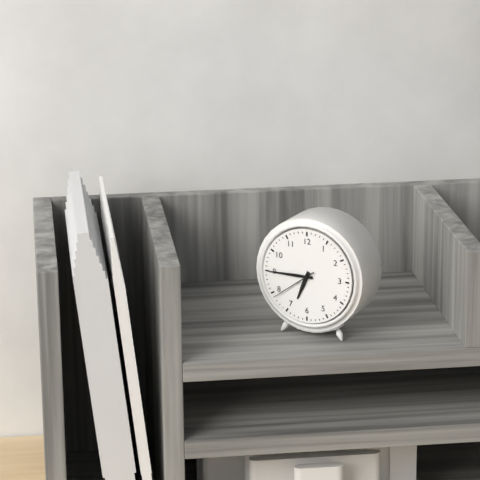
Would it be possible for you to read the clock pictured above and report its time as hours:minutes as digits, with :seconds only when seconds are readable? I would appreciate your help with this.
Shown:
6:45
